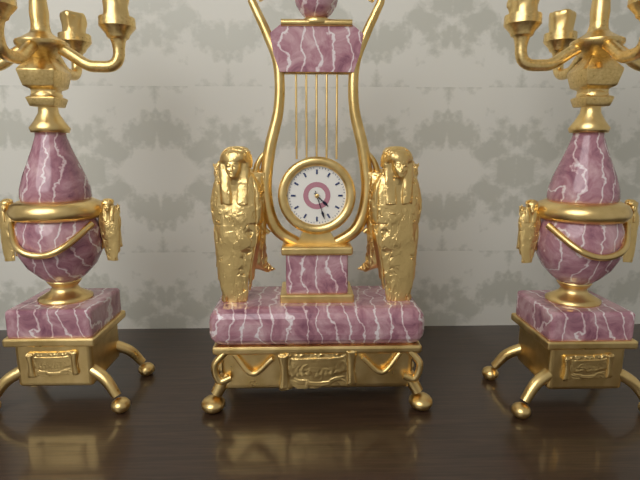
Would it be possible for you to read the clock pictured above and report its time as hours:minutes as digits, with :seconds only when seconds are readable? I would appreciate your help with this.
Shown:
4:27
